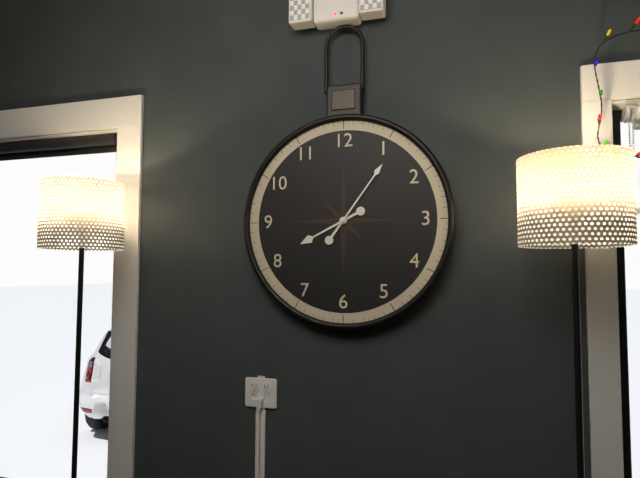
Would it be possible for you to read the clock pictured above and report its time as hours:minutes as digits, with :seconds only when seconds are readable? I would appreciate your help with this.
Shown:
8:06
